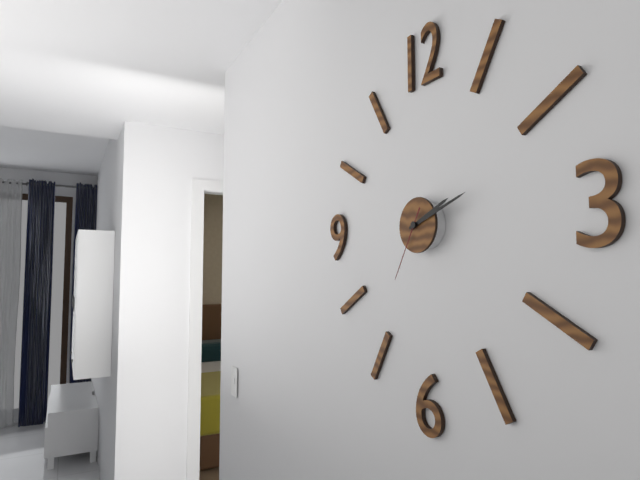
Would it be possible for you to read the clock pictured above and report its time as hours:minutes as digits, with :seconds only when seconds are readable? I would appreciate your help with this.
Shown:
2:12:35
